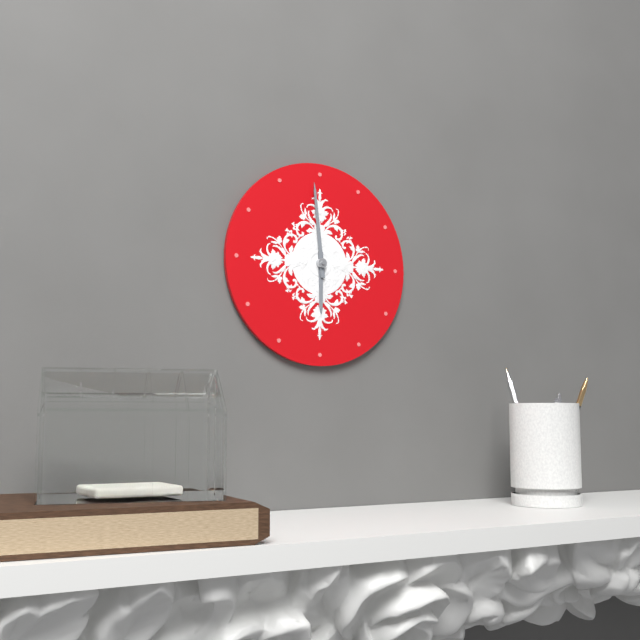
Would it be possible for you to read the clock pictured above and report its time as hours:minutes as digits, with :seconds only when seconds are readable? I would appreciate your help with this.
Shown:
5:59
